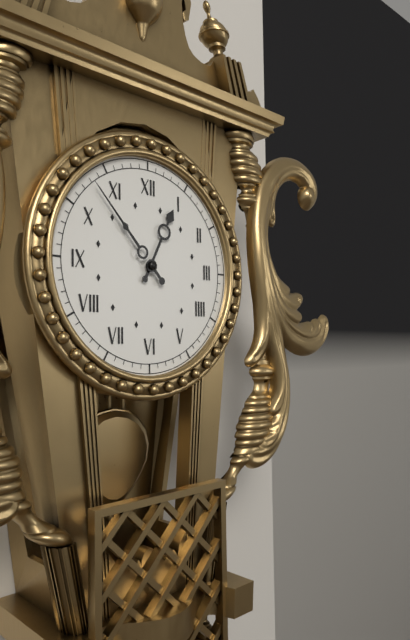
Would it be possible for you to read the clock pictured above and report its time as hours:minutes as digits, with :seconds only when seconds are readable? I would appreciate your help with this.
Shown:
12:53
